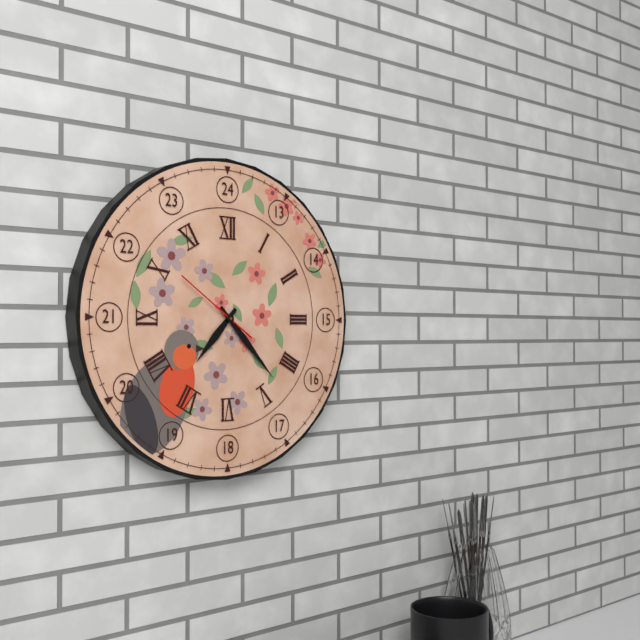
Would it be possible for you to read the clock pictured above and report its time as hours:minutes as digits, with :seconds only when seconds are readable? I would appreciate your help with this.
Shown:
7:23:51
